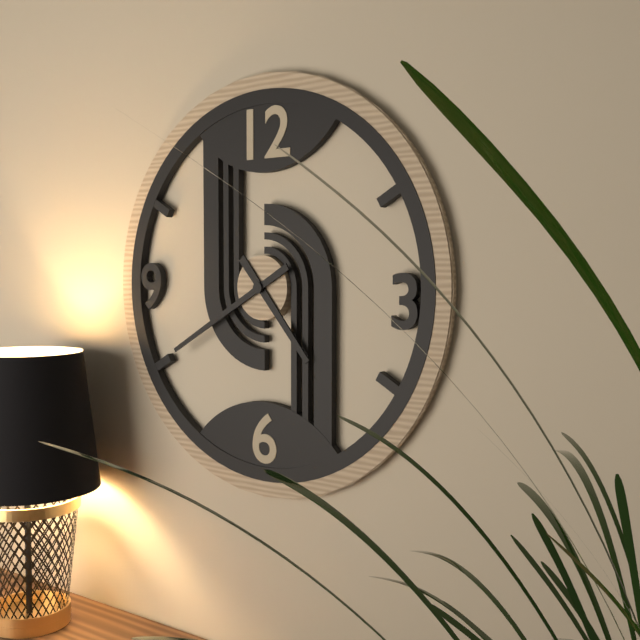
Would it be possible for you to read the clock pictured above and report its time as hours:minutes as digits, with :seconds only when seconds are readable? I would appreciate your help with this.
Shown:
4:40
